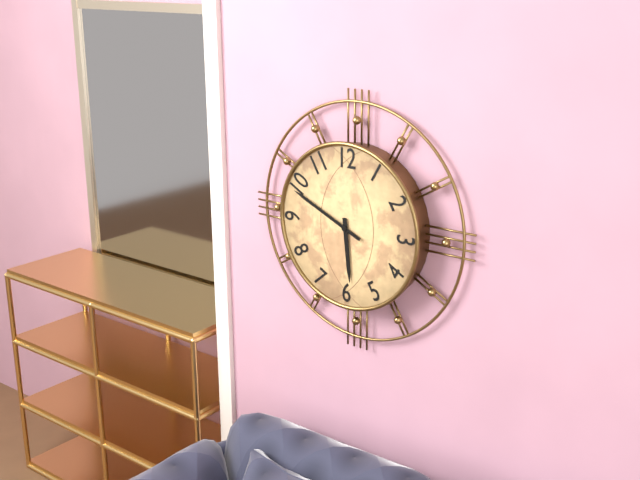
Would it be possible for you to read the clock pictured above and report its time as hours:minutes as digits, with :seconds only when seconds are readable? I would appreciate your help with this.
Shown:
5:49
